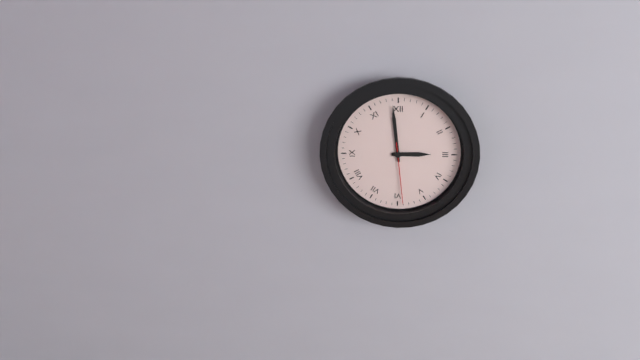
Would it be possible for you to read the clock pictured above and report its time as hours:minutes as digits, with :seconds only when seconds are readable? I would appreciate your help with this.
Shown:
2:59:29
